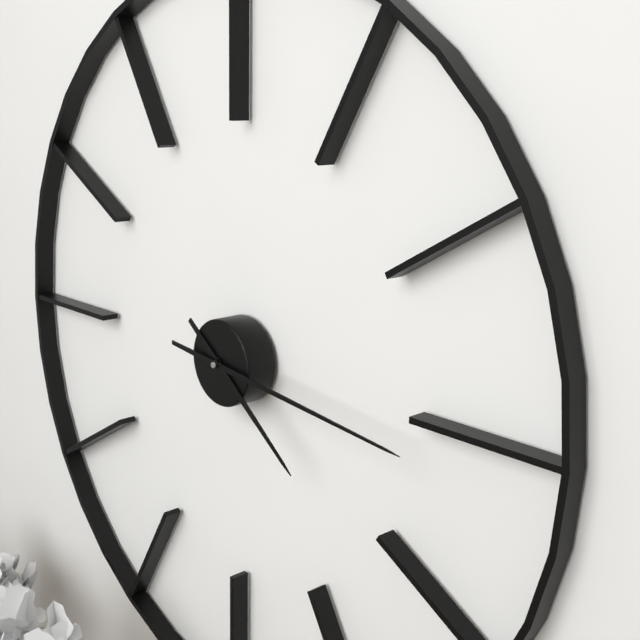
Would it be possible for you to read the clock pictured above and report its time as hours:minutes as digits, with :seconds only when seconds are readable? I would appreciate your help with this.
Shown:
4:16
